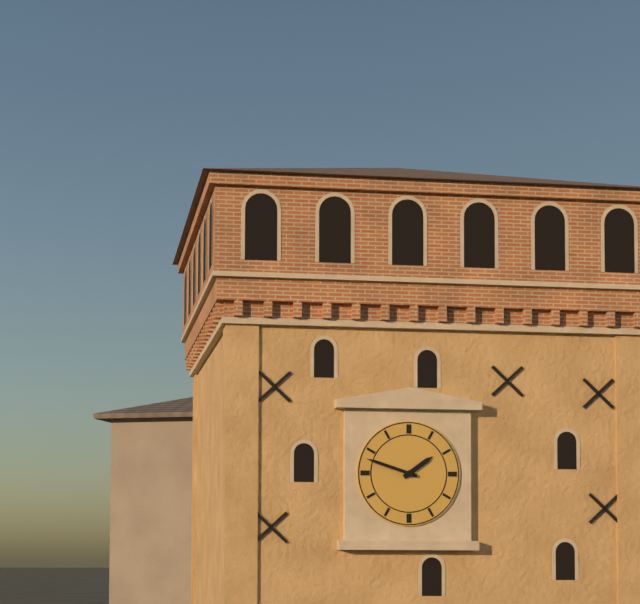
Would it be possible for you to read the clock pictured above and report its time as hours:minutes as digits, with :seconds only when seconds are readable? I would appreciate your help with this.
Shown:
1:48
